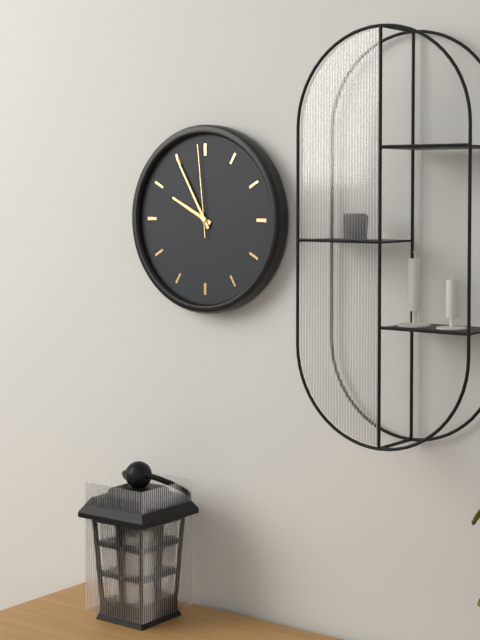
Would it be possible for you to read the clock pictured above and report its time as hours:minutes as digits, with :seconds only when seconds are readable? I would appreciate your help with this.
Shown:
9:55:59
